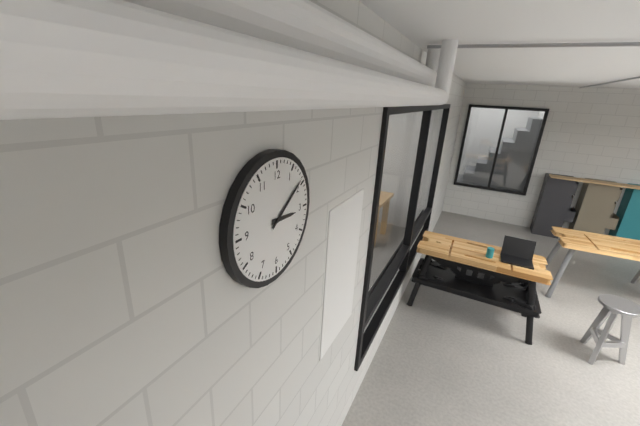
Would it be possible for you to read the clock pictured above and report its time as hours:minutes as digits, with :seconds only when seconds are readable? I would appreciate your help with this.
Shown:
3:09
